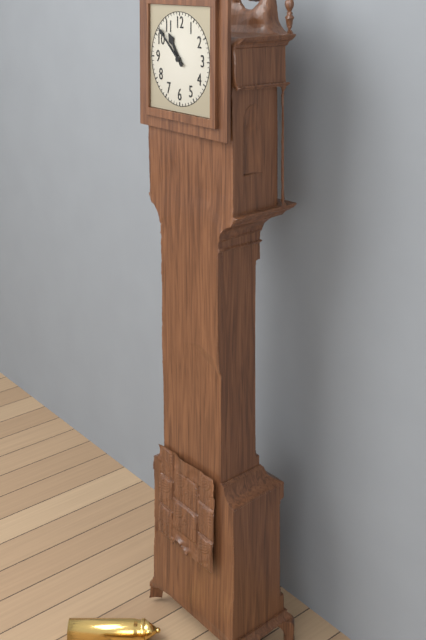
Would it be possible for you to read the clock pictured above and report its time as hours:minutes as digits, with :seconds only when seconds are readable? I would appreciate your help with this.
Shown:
10:52
